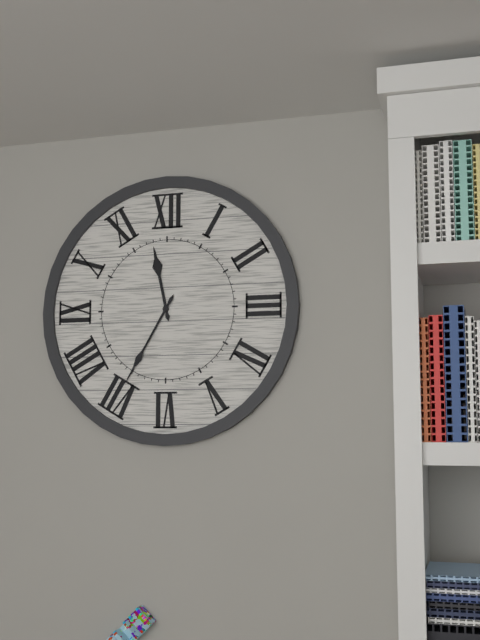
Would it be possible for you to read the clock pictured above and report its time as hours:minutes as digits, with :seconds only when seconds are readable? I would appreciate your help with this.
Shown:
11:35
